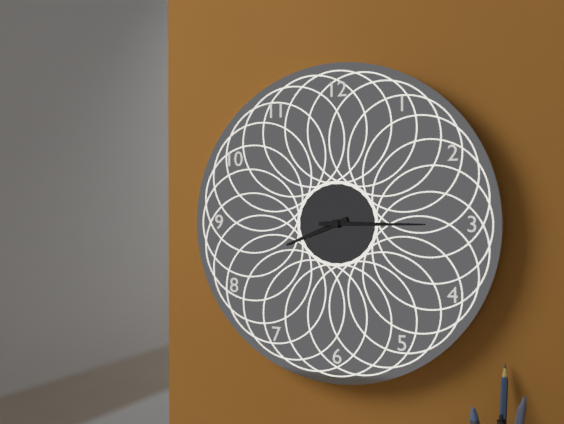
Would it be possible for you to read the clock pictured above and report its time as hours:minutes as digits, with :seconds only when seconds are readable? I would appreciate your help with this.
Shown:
8:15
